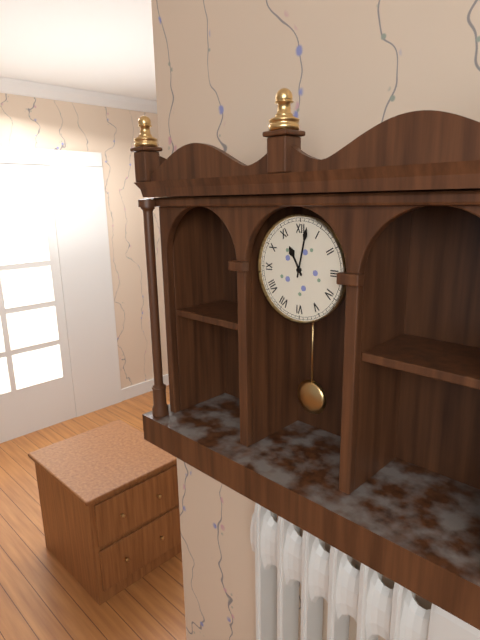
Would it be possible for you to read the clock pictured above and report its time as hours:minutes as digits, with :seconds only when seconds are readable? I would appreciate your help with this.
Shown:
11:02
